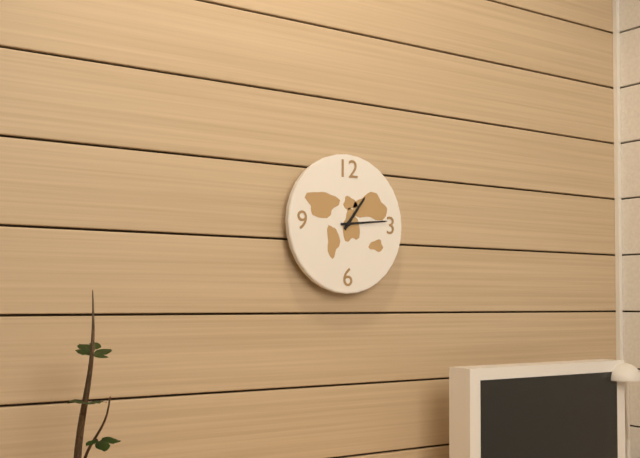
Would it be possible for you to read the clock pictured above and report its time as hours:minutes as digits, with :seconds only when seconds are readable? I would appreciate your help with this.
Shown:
1:14
